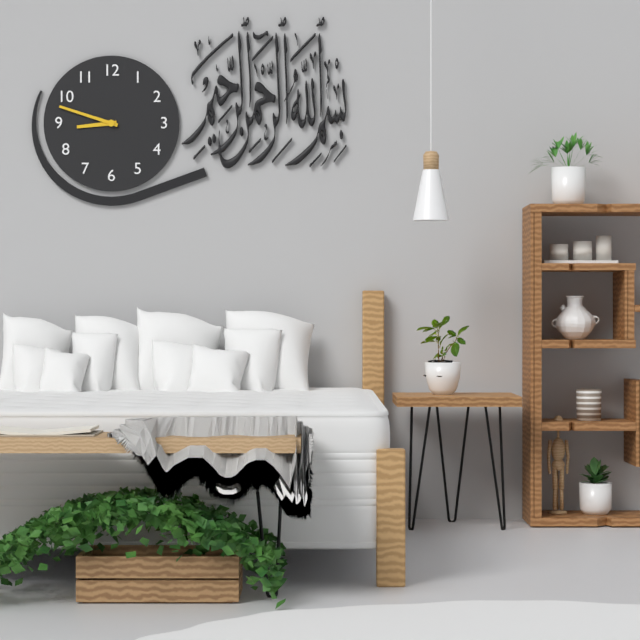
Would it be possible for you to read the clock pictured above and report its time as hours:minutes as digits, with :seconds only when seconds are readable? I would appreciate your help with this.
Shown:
8:48
